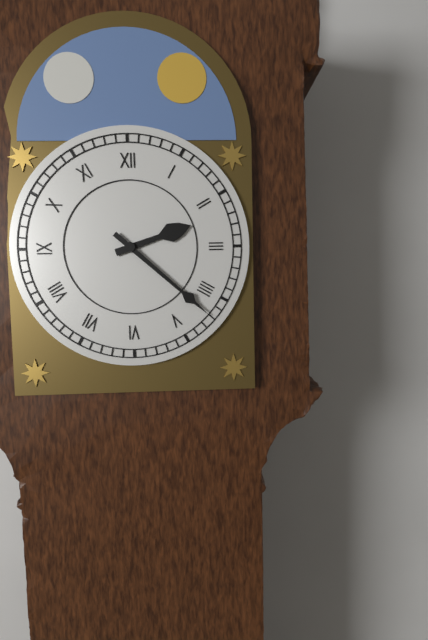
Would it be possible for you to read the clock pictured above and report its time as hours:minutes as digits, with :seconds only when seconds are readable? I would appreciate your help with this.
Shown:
2:22
